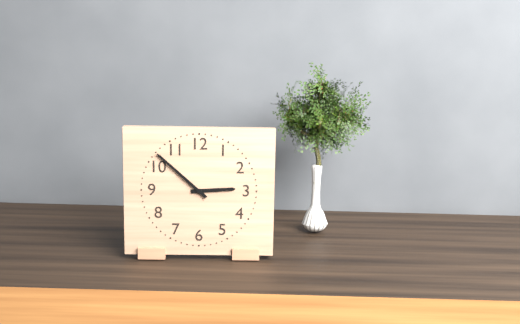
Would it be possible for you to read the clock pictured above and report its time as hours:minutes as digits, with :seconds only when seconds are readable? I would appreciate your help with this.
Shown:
2:52
